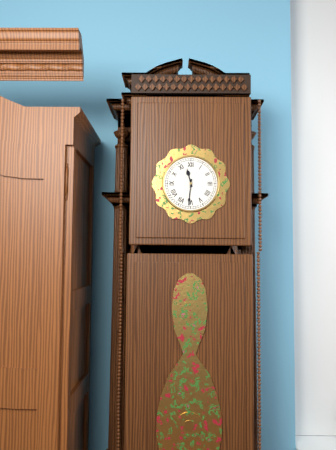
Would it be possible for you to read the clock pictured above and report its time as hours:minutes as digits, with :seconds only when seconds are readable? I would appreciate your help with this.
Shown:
11:31
